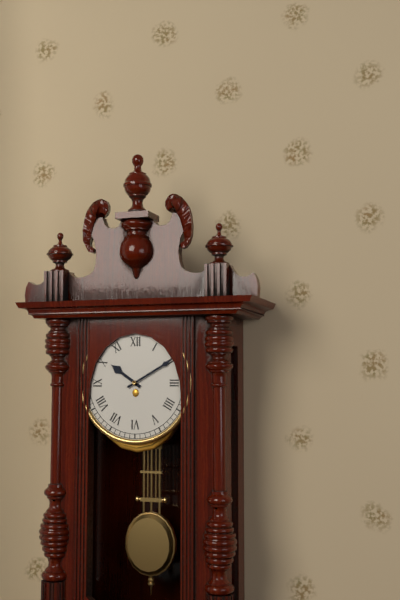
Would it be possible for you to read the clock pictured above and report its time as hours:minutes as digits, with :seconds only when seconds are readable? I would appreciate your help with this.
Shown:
10:10
